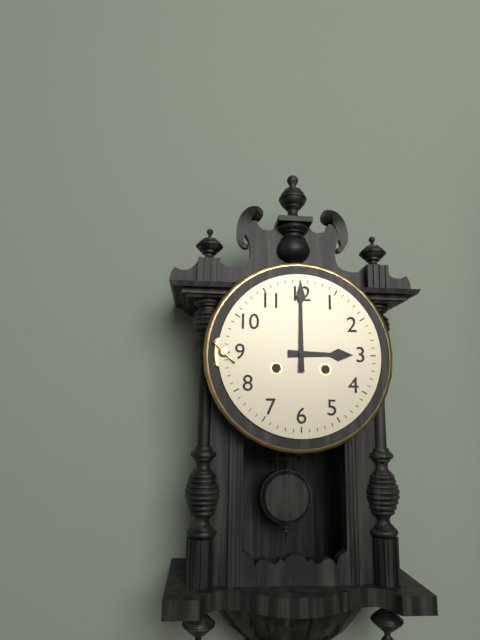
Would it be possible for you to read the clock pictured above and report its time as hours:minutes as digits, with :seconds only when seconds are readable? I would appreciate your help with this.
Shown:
3:00
